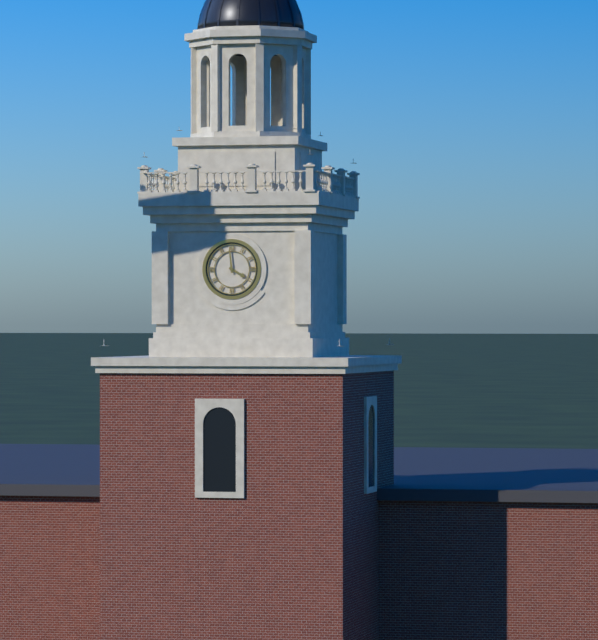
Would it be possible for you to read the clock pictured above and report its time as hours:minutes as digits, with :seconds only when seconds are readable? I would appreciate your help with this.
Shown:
3:59
